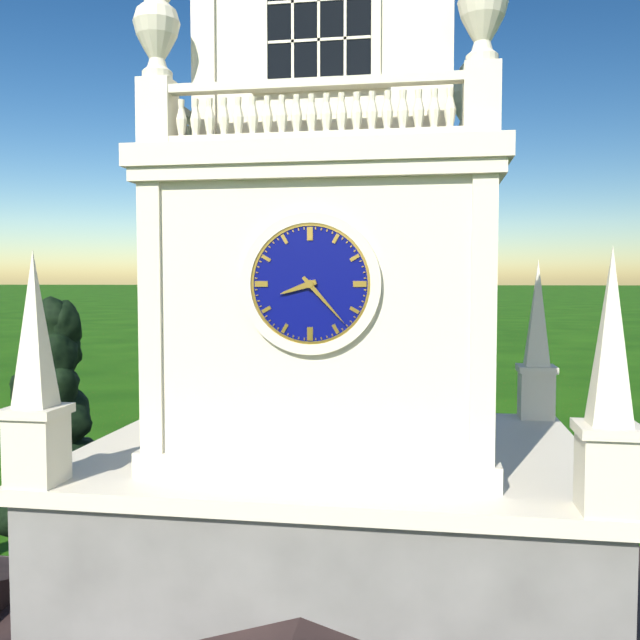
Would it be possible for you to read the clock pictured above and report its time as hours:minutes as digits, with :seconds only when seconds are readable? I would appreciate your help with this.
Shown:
8:23
